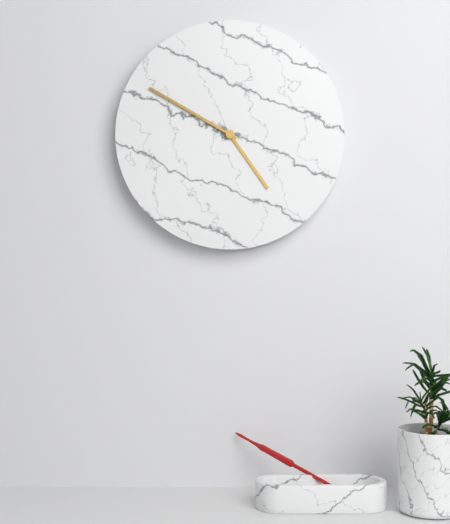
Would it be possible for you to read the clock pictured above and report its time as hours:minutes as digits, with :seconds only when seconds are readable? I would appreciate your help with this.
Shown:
4:50
